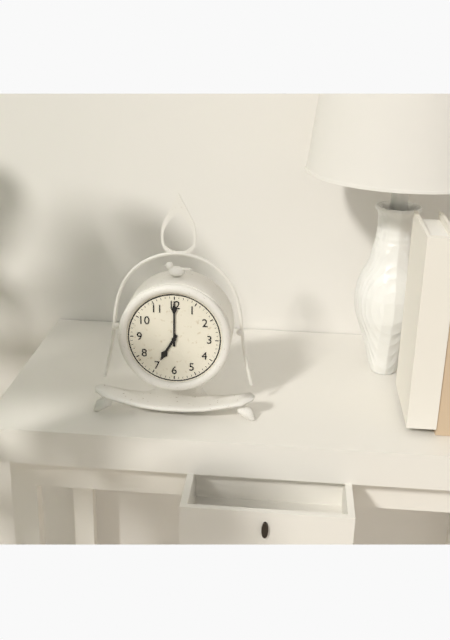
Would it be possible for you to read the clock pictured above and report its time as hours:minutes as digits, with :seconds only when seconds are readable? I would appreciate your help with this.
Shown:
7:00
